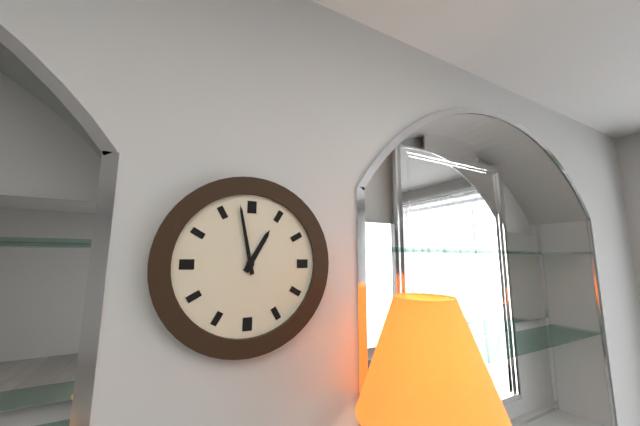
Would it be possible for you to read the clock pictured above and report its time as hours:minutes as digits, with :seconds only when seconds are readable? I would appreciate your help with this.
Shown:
12:58
